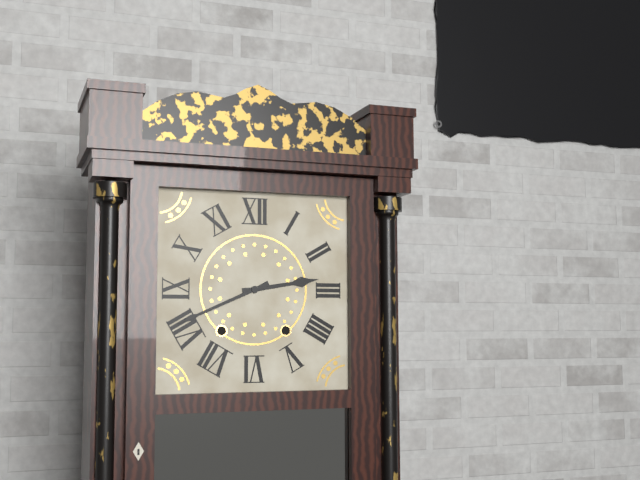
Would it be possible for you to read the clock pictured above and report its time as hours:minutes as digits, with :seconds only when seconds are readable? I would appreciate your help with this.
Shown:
2:41
